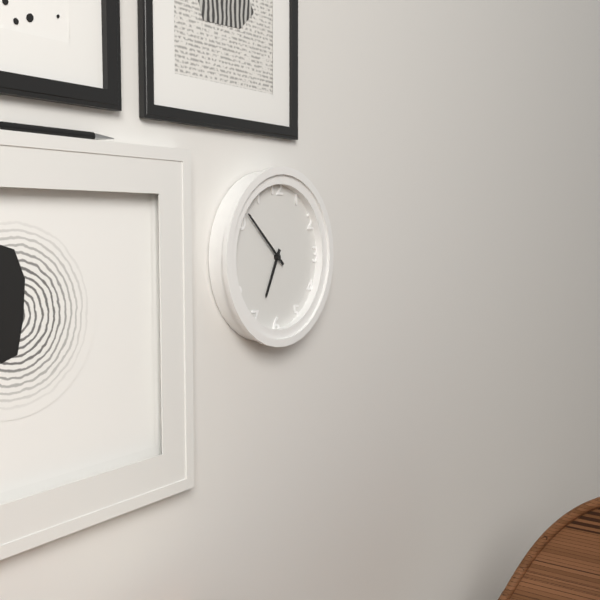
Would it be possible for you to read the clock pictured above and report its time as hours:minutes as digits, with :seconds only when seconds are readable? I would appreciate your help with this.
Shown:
6:52
